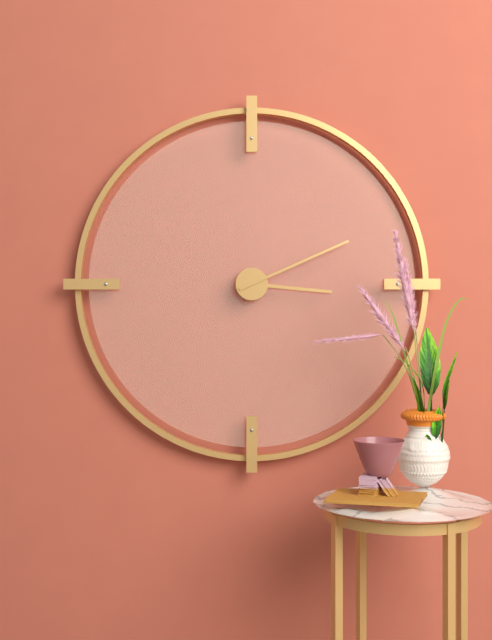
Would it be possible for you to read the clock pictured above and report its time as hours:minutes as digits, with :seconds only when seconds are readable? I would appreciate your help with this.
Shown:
3:11
